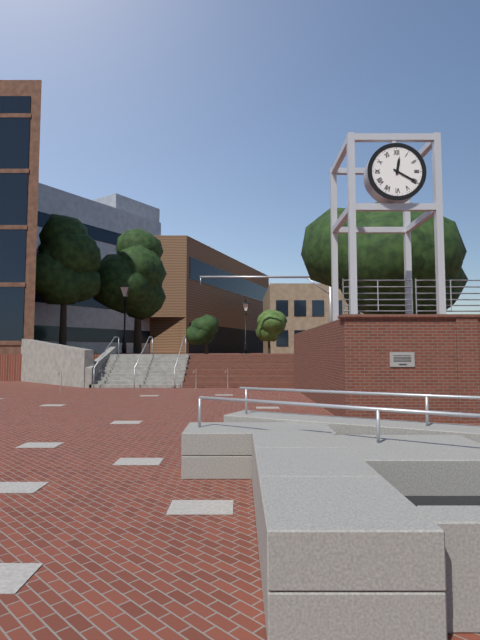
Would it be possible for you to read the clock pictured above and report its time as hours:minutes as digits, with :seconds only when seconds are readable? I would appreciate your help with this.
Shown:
12:20
